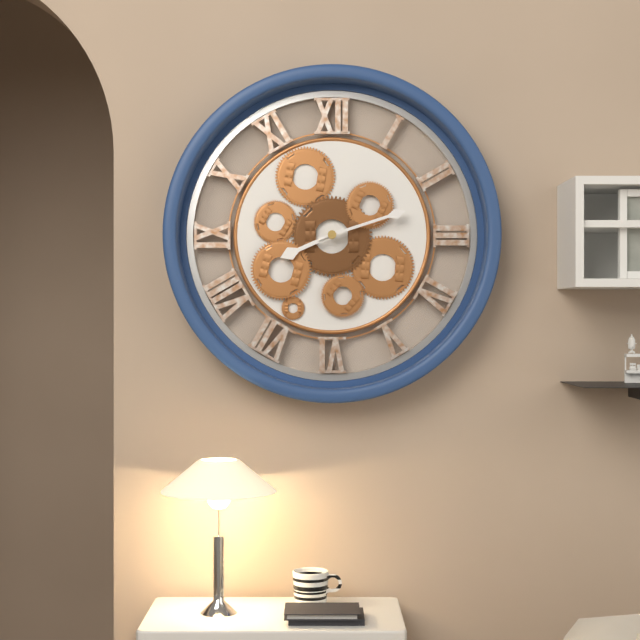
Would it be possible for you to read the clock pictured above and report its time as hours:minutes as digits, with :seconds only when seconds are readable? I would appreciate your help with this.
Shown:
8:12
